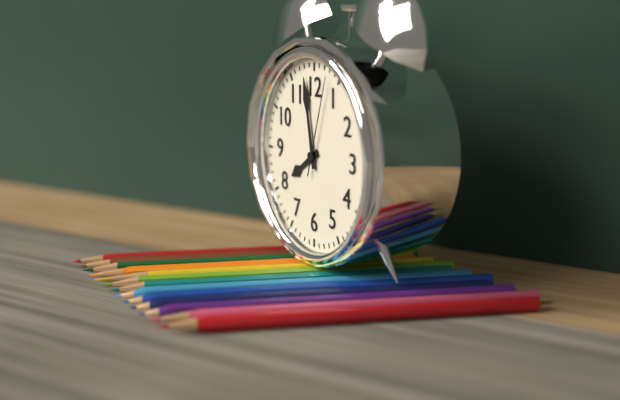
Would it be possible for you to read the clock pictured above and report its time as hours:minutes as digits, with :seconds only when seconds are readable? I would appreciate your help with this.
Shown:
7:58:03
